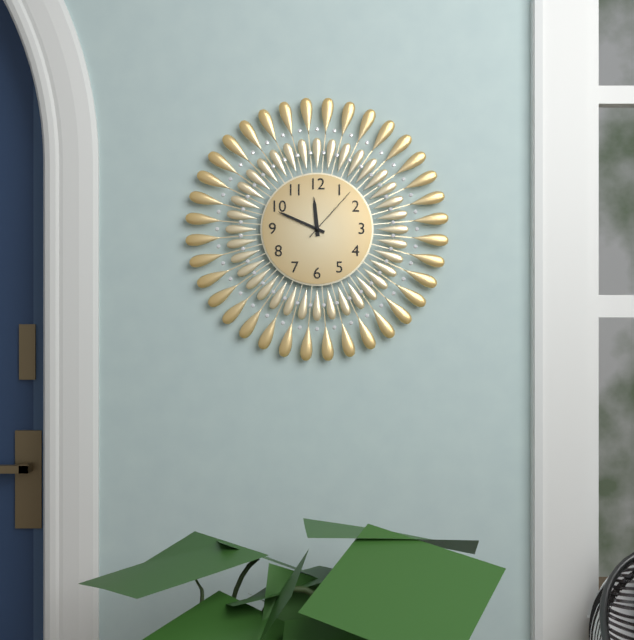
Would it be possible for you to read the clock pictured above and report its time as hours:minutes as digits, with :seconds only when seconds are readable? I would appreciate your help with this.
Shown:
11:49:07
